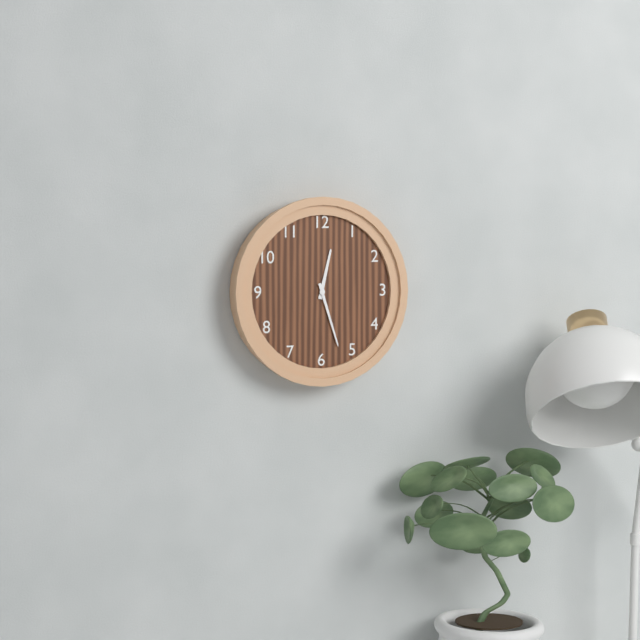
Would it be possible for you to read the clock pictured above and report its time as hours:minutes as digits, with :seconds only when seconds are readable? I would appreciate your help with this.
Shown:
12:27
